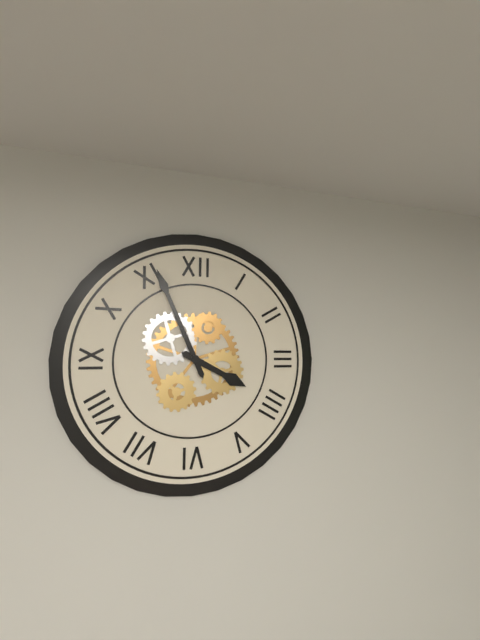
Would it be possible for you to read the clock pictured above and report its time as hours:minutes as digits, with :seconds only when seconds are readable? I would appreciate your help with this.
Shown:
3:56
